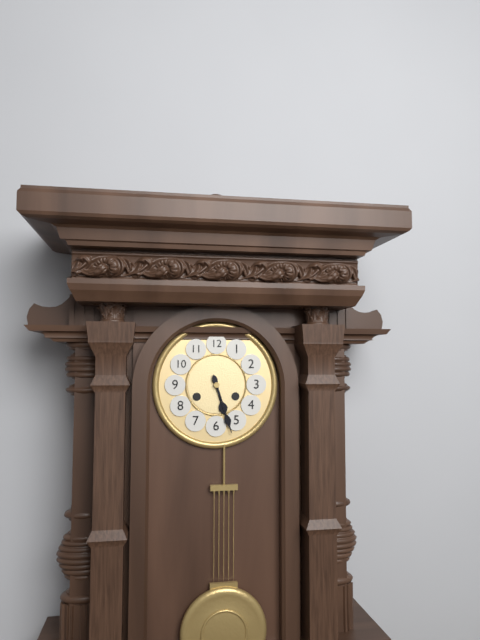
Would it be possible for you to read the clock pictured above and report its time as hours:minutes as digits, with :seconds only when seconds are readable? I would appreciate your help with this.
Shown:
5:27
